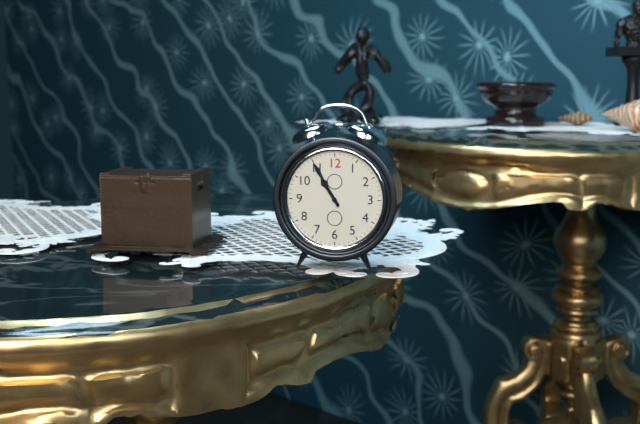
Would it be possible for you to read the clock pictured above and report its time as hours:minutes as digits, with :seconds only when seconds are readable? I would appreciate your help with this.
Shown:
10:55
